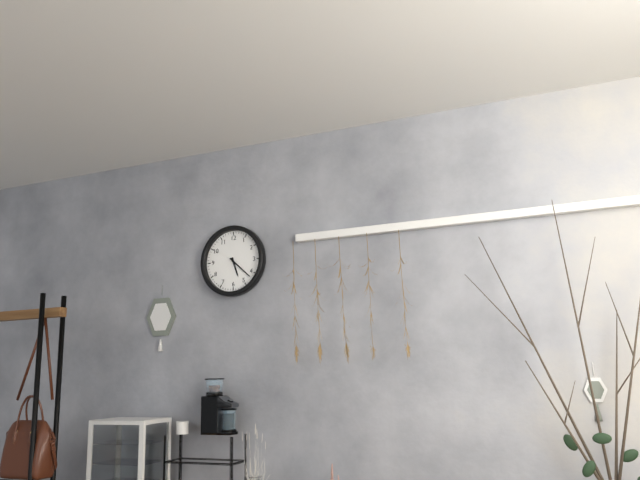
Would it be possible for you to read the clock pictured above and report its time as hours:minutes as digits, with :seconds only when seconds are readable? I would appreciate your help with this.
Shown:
5:22
